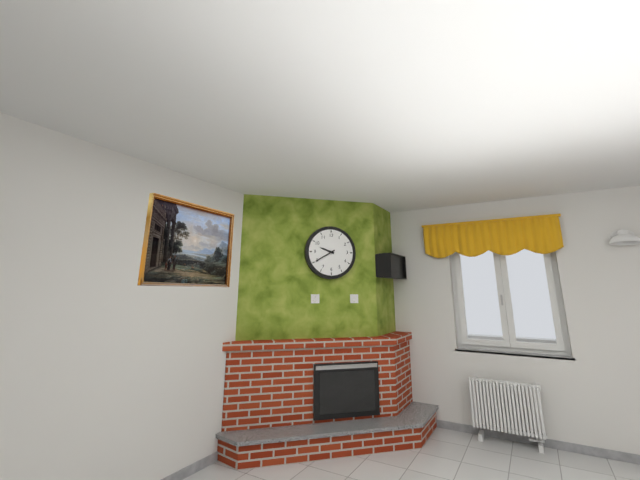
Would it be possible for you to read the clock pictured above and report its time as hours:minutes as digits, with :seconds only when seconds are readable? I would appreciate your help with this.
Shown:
9:40
